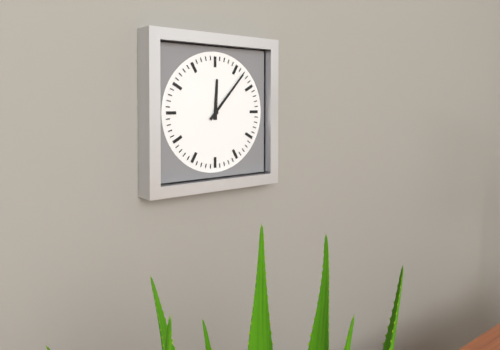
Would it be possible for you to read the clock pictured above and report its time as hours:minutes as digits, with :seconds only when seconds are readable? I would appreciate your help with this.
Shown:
12:07
